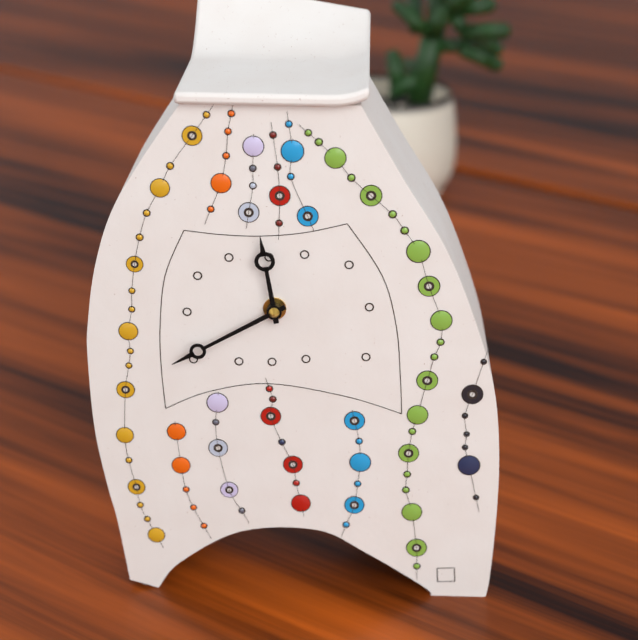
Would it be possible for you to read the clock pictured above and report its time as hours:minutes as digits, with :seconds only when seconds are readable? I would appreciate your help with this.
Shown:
11:40
